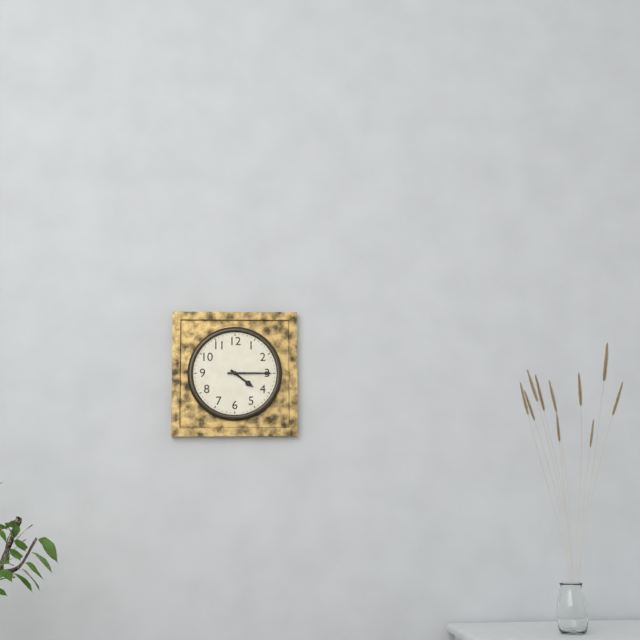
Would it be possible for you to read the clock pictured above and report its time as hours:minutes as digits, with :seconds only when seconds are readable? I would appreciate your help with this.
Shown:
4:15
